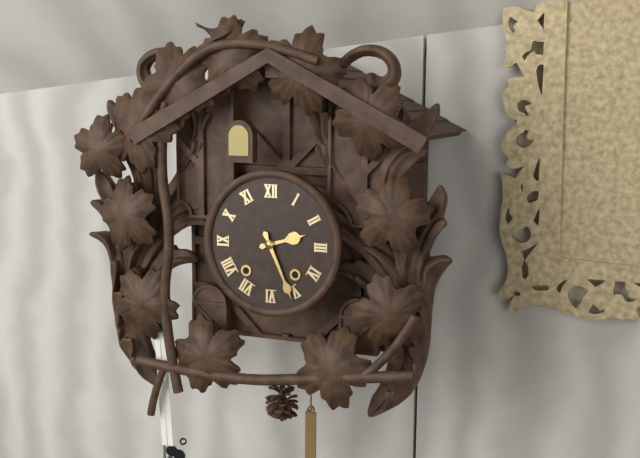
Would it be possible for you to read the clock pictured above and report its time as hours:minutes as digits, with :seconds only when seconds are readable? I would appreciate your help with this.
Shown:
2:26
